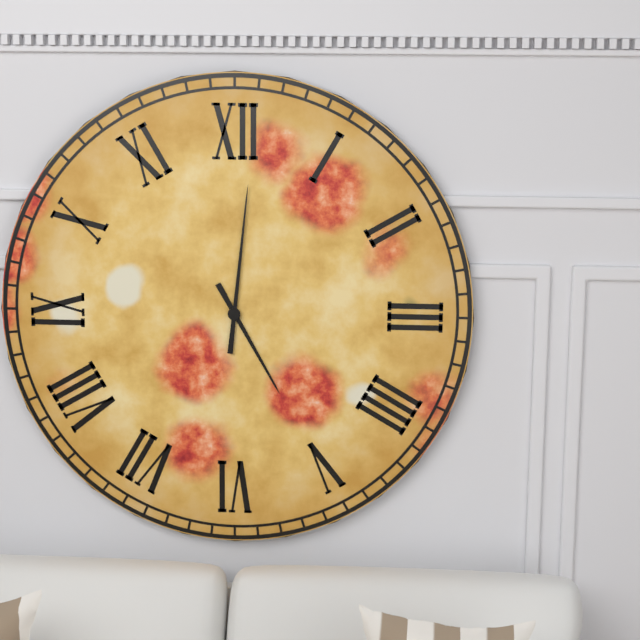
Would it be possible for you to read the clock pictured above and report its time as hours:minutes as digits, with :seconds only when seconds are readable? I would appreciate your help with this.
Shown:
5:01
